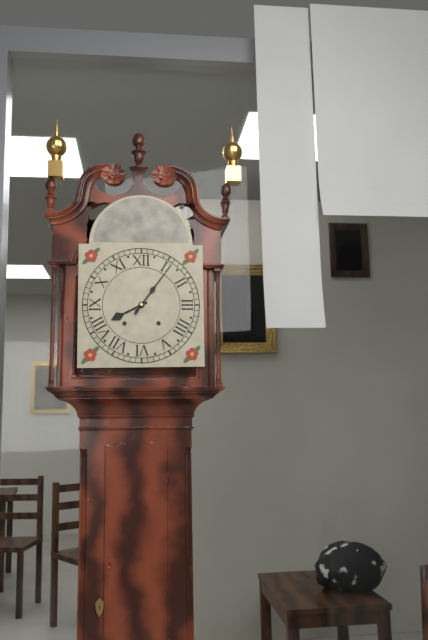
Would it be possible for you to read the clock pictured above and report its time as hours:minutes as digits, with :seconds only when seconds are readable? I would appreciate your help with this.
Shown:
8:06
